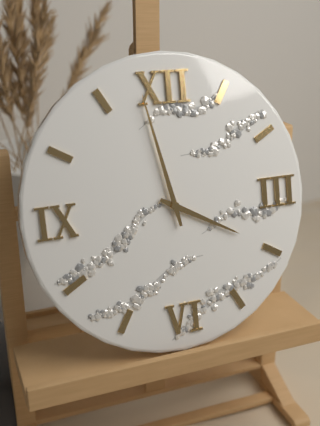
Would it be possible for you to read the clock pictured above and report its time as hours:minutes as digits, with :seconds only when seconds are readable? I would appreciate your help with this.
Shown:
3:58
